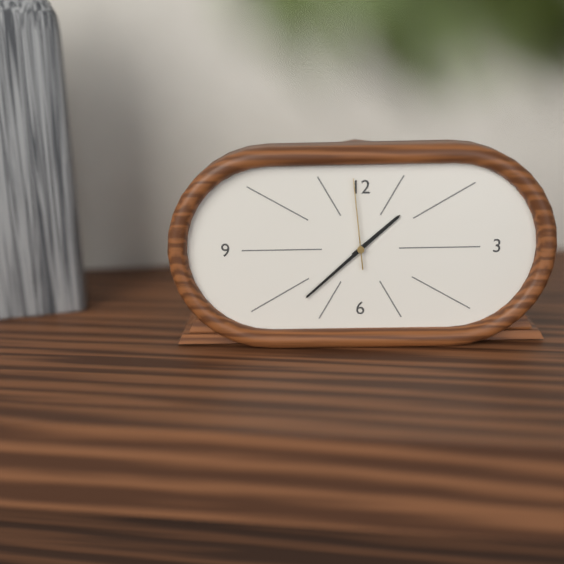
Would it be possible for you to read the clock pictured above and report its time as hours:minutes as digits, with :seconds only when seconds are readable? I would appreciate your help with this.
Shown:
1:38:59
